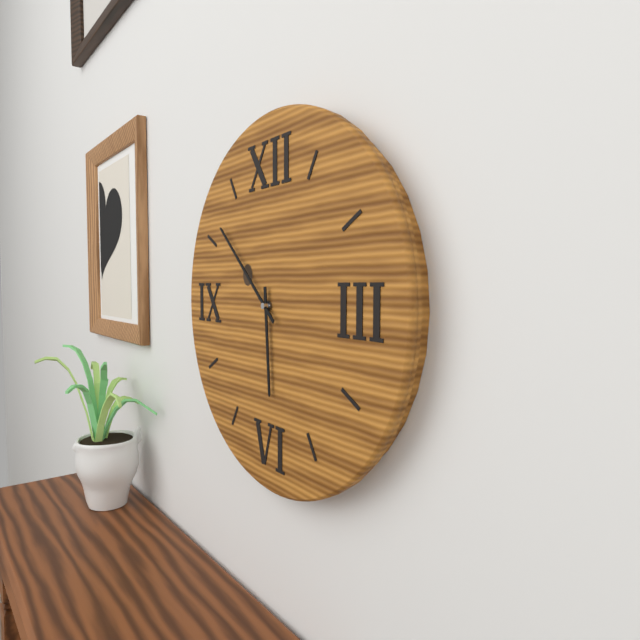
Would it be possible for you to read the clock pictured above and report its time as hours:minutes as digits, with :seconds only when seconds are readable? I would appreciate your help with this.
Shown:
5:52
